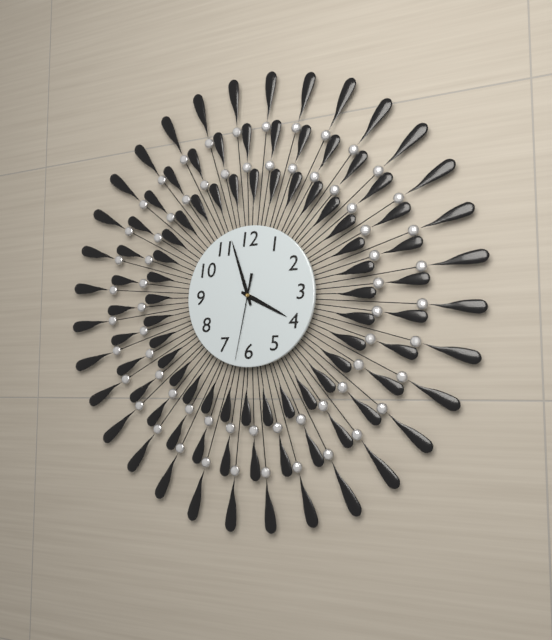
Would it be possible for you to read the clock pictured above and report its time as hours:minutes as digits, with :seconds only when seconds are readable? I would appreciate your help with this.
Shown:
3:57:32
